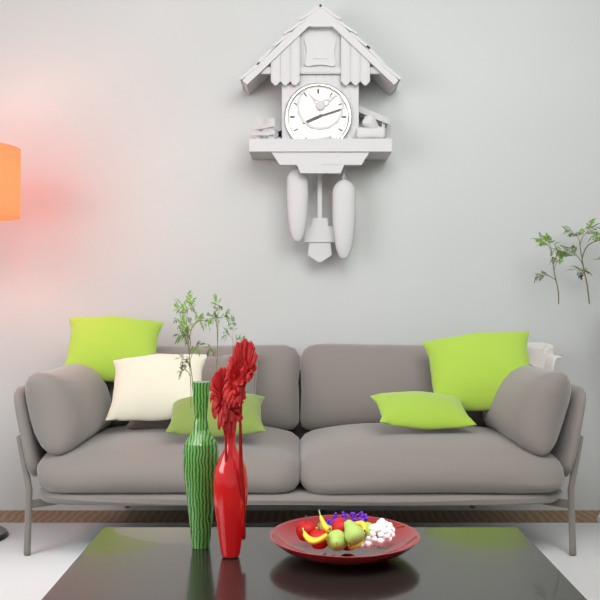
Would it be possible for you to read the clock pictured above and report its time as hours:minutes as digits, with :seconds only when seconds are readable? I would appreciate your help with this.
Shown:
8:12
